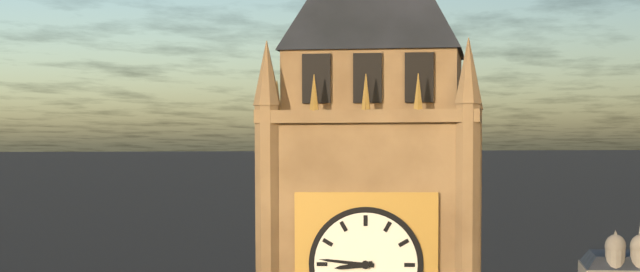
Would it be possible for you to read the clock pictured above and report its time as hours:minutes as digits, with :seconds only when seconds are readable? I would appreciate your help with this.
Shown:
8:46
